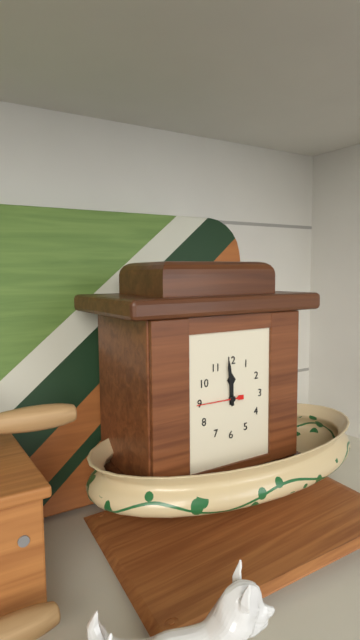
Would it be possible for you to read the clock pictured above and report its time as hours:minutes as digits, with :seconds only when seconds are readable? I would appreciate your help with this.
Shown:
11:59
